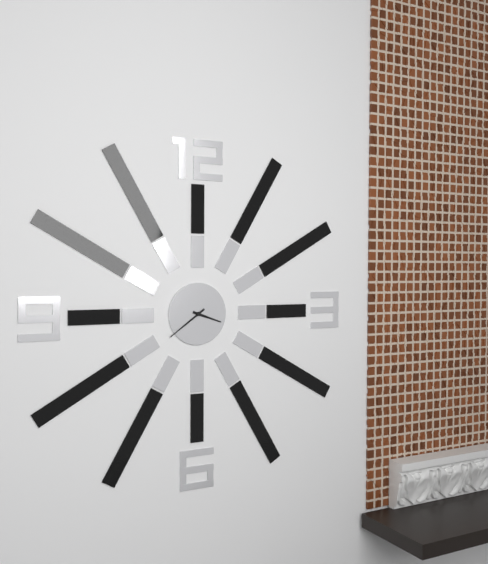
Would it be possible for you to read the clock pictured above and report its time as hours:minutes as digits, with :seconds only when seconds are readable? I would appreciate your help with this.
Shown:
3:39
